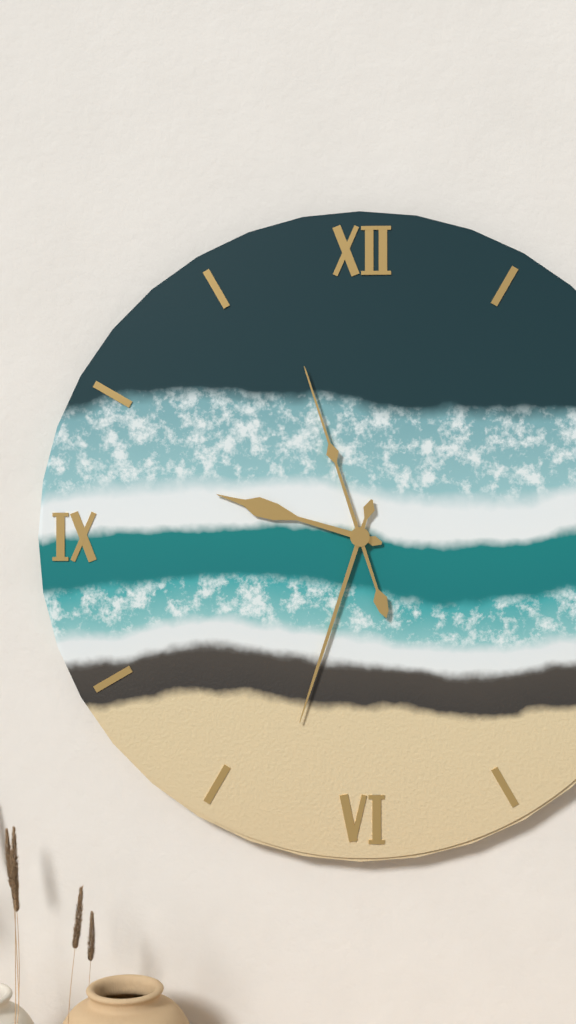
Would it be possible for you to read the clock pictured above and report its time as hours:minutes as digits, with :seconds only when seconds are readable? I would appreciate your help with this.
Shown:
9:33:57
